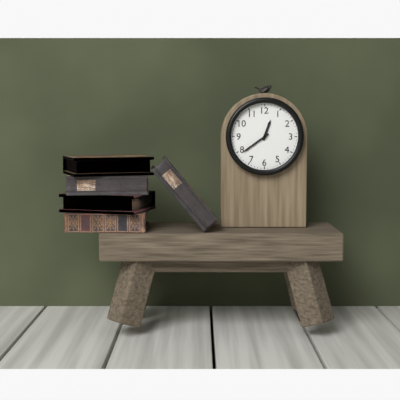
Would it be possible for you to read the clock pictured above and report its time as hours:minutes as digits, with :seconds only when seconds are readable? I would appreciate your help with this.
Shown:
12:39
